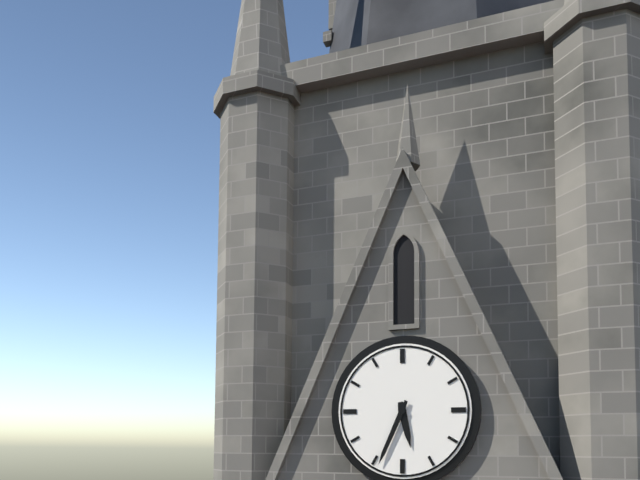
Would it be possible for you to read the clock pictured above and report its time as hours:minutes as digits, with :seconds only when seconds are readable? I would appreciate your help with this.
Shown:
5:34
